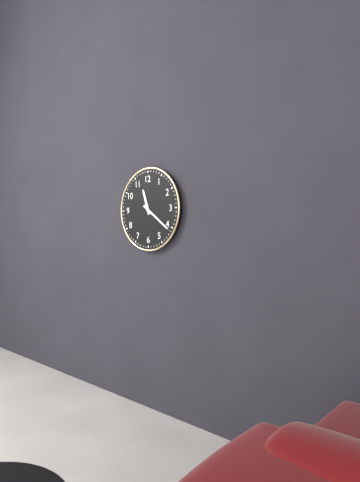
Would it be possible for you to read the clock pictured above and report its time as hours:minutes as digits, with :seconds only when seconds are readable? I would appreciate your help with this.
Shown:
11:21
